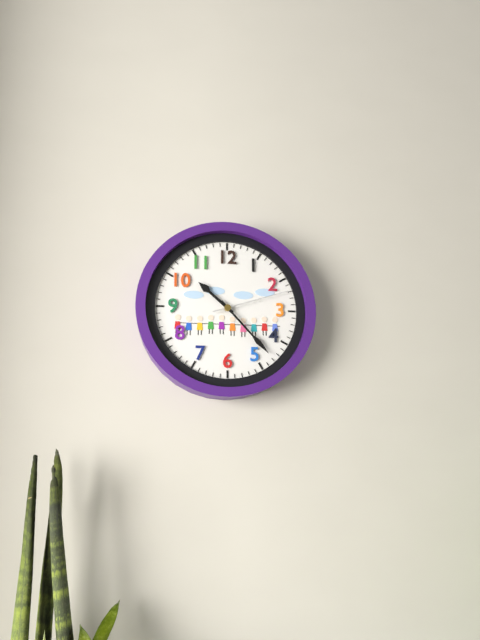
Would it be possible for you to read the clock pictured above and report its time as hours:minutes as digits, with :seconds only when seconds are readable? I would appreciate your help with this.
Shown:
10:23:12
